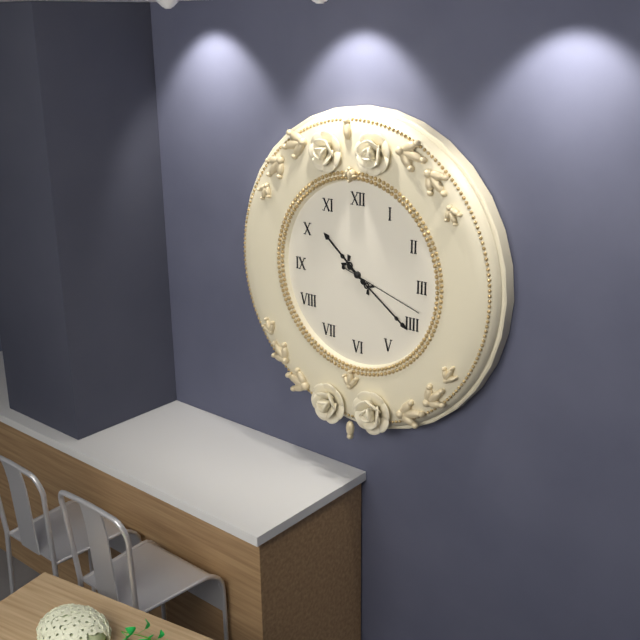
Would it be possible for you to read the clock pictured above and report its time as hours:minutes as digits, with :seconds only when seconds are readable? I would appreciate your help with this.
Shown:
10:21:18
